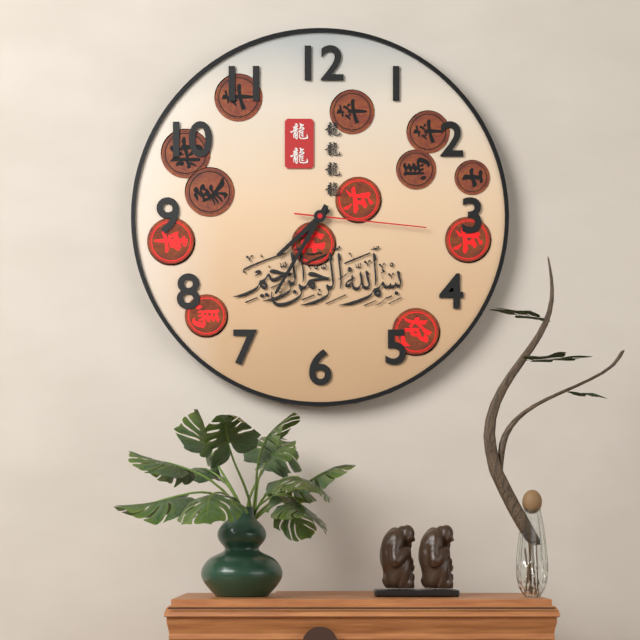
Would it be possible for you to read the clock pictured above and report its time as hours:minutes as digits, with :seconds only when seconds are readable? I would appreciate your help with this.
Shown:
7:35:16
